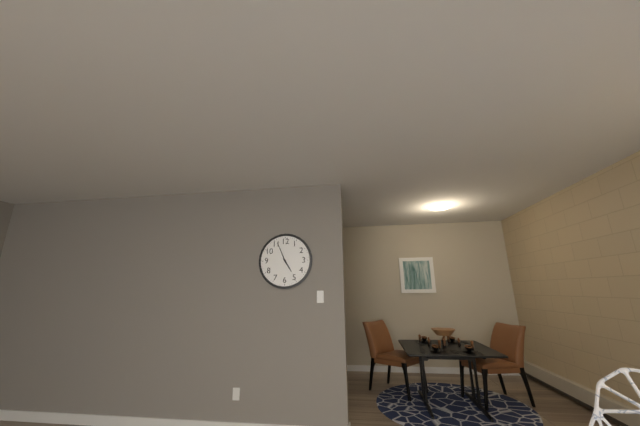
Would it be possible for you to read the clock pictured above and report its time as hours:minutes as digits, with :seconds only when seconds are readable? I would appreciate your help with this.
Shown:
4:56
